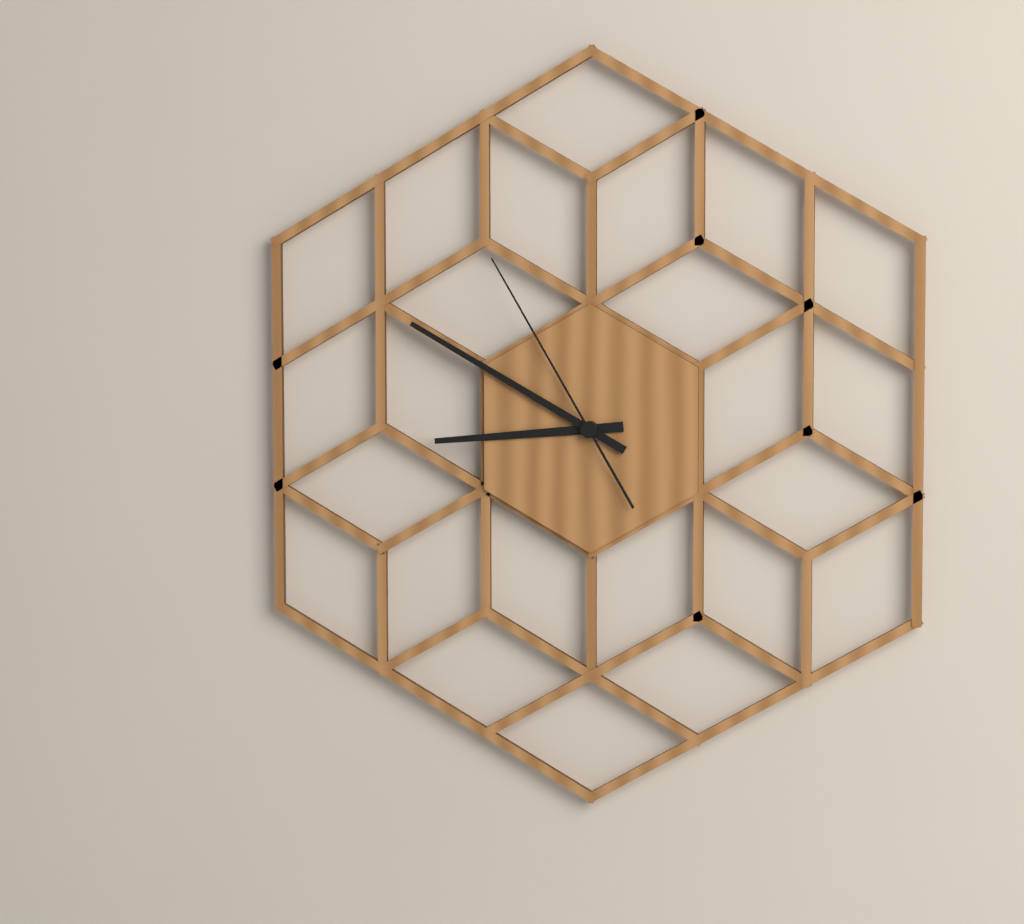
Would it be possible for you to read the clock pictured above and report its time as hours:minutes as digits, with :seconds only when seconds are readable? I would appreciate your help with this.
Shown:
8:50:55
